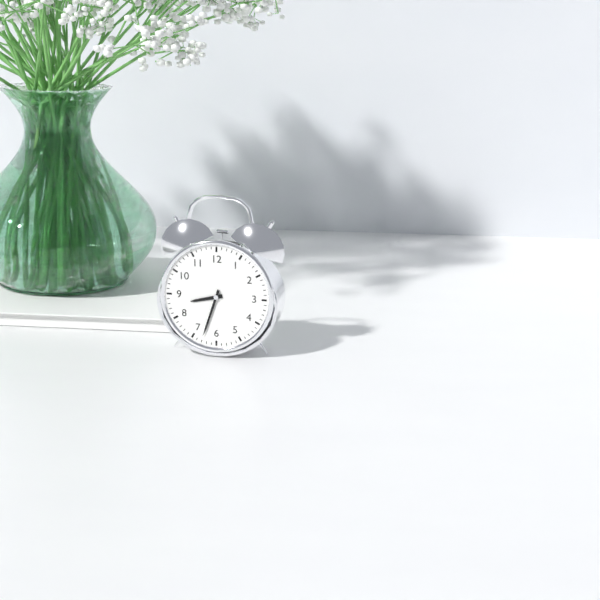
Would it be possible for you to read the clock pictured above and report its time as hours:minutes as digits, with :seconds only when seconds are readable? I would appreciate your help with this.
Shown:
8:33
